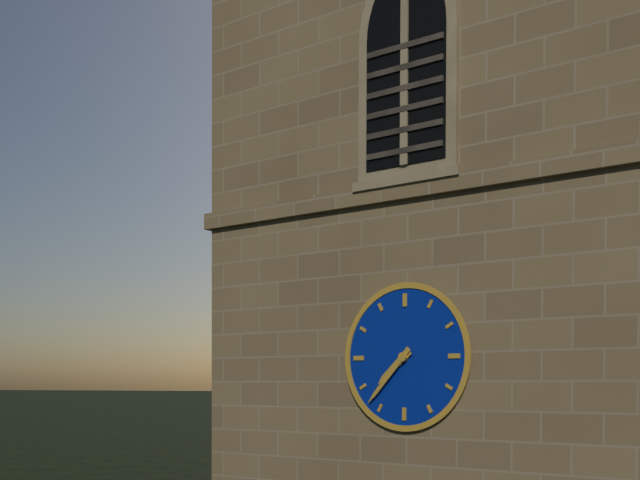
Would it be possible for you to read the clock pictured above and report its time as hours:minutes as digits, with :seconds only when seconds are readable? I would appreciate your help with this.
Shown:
7:37
